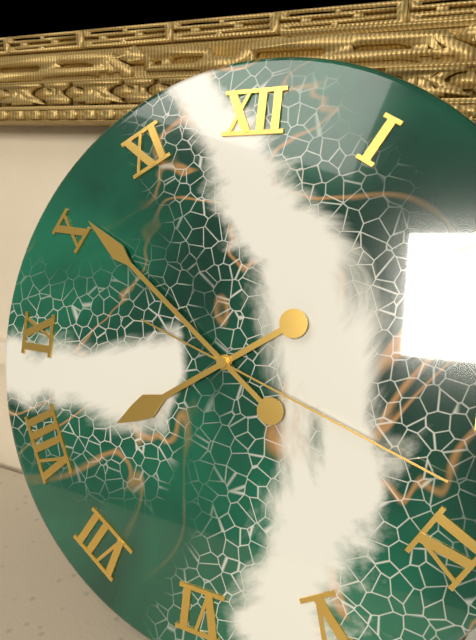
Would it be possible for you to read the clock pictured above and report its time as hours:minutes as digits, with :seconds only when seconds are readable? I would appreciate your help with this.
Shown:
7:51:18
